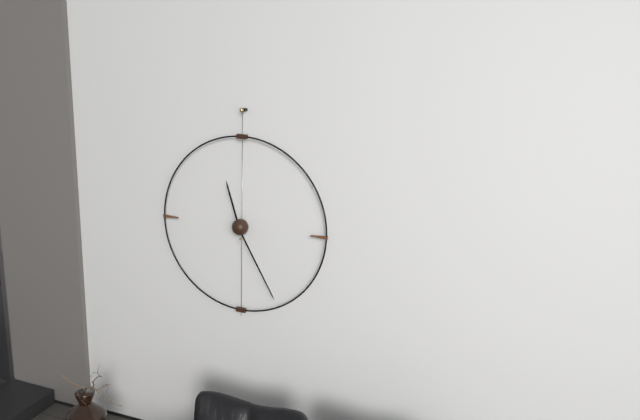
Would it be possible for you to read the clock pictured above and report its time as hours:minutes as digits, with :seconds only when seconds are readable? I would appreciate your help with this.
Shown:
11:25
